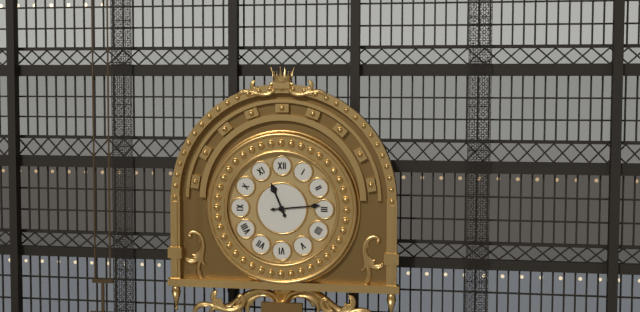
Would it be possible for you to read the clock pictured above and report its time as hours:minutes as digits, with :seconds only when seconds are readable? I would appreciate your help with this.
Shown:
11:14
